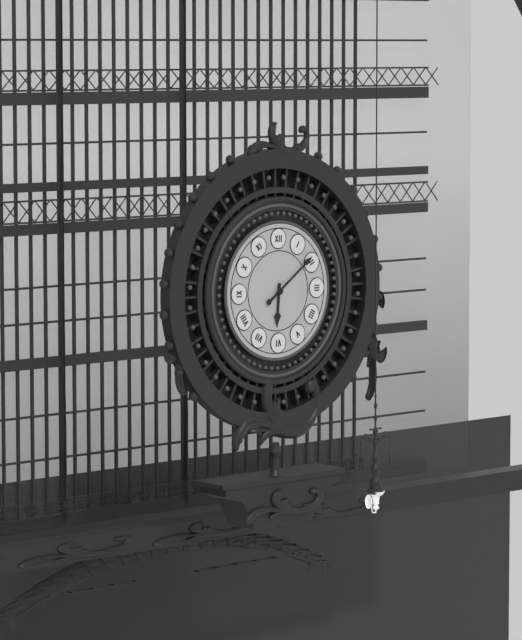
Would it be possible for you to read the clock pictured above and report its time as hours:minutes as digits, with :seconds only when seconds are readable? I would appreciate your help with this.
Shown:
6:09
